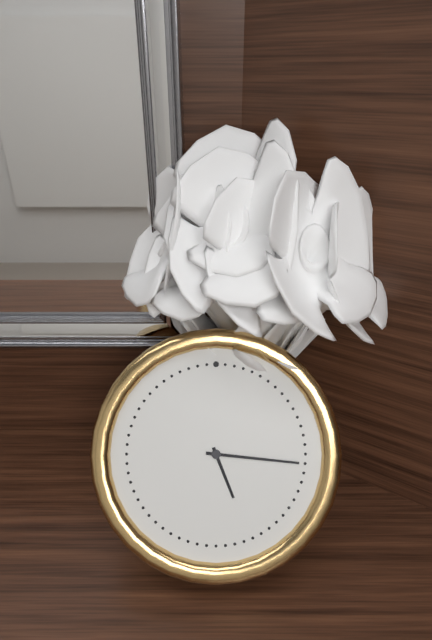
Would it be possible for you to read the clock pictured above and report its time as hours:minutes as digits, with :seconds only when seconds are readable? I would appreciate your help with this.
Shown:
5:16
